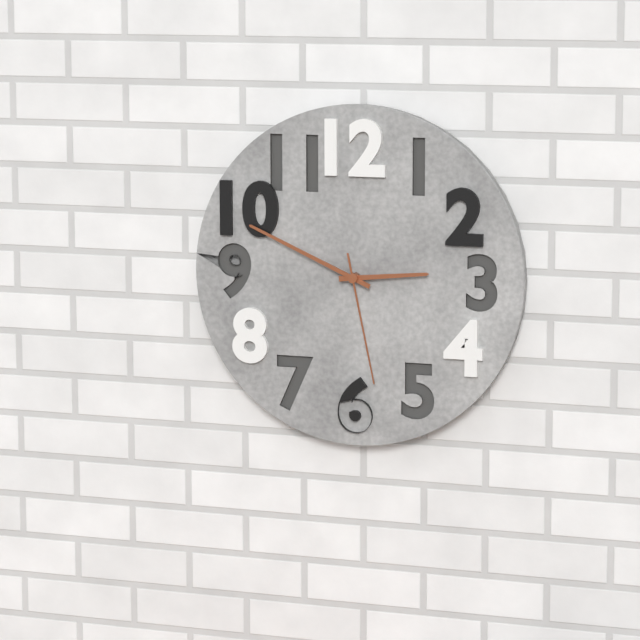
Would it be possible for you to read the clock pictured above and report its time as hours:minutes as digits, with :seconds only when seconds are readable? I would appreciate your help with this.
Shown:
2:49:28
